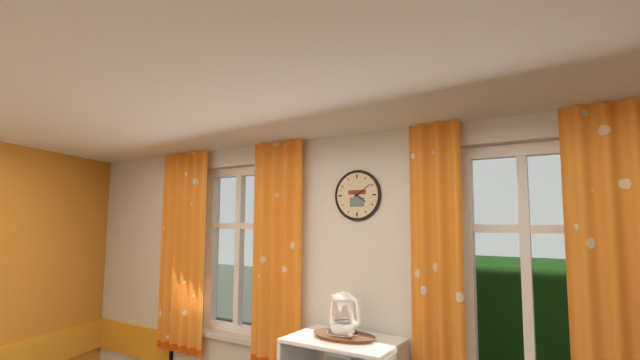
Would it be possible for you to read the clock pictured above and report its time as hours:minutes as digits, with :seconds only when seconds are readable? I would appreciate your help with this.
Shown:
4:09
